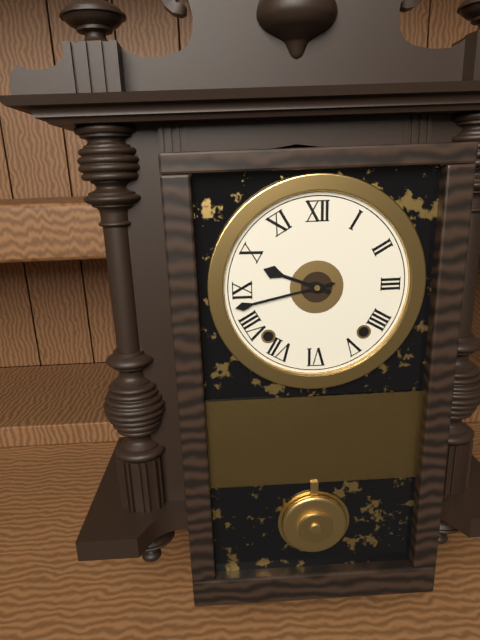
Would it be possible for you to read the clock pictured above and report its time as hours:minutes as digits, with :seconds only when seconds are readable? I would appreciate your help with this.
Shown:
9:43
